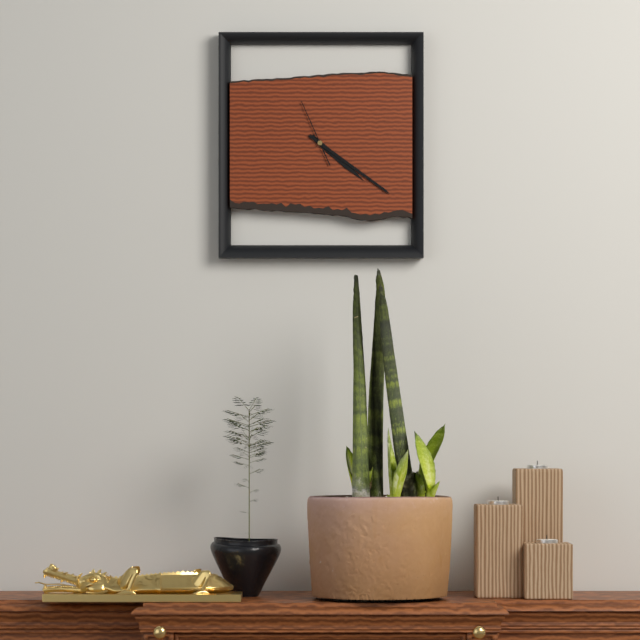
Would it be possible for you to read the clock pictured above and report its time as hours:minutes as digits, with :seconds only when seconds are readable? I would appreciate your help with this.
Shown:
4:21:56
